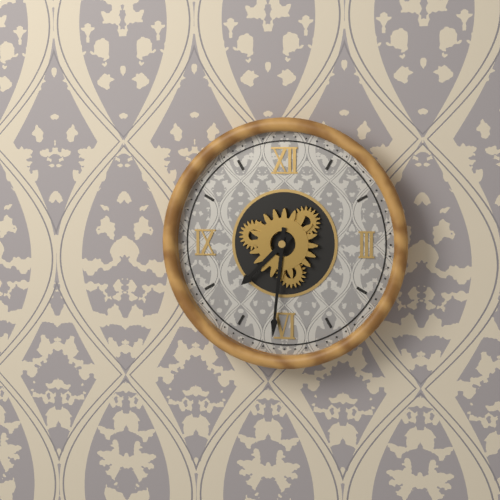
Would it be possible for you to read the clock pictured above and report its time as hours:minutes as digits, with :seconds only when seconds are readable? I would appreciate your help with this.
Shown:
7:31
